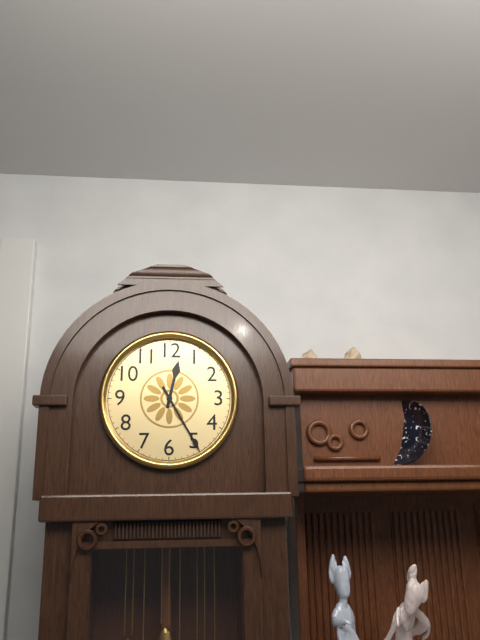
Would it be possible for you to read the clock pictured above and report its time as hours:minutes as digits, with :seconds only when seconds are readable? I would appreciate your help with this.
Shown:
12:25
